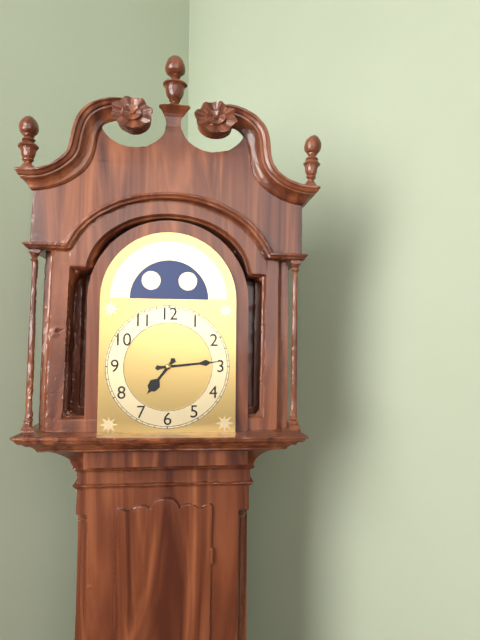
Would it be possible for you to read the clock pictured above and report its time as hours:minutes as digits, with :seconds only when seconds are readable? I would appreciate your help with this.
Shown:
7:14
